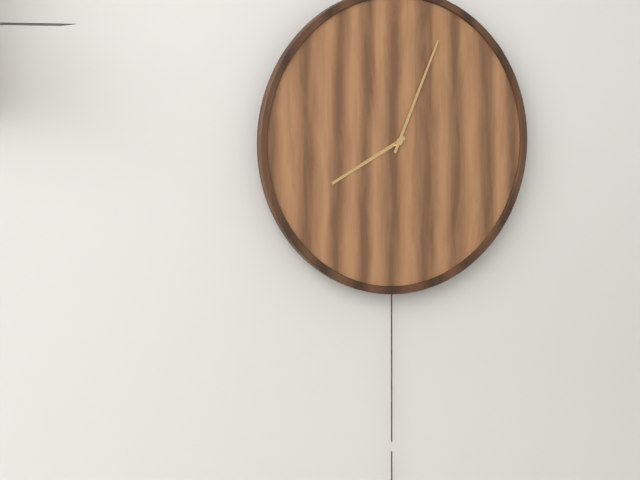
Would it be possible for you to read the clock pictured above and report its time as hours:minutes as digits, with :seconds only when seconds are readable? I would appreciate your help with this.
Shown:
8:04
